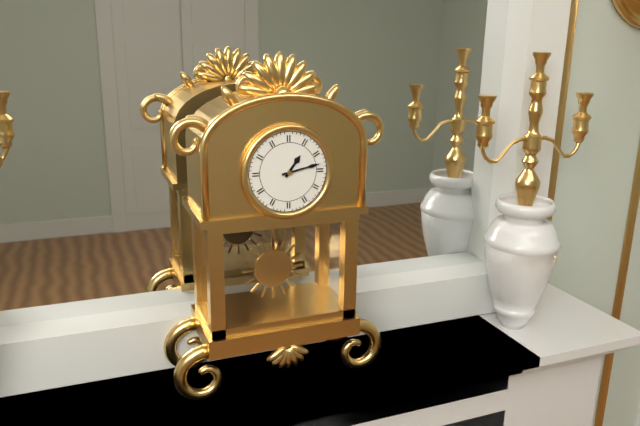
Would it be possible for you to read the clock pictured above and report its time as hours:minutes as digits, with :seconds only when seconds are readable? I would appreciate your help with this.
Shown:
1:13
